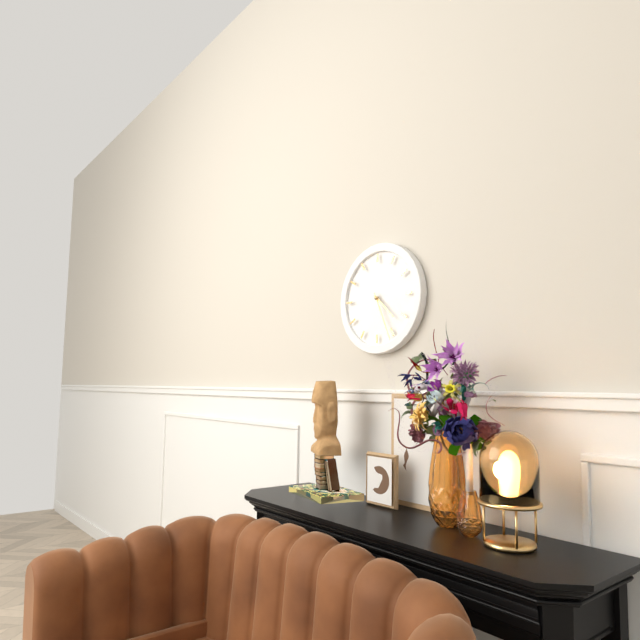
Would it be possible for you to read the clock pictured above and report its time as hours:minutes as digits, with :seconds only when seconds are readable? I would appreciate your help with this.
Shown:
4:26
